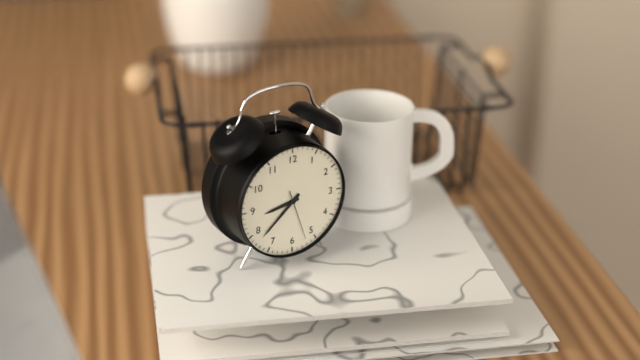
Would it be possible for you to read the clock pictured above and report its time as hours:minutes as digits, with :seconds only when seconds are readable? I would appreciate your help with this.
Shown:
8:38:27
